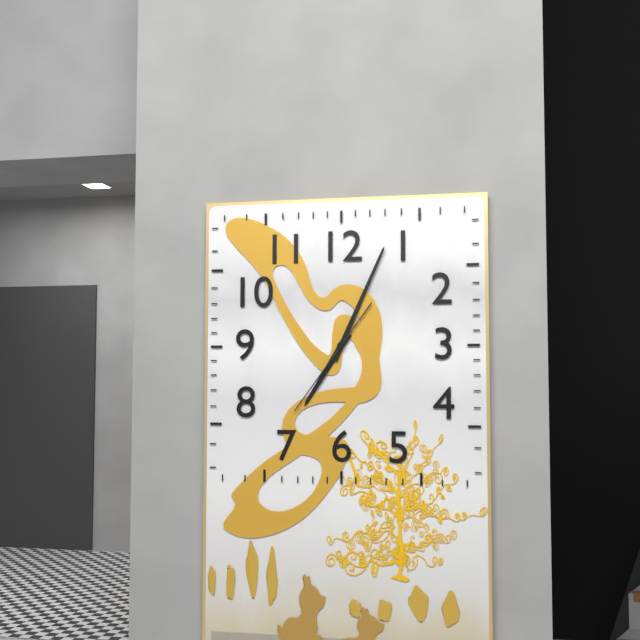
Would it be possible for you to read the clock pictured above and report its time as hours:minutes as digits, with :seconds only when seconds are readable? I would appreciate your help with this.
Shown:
7:04:36
